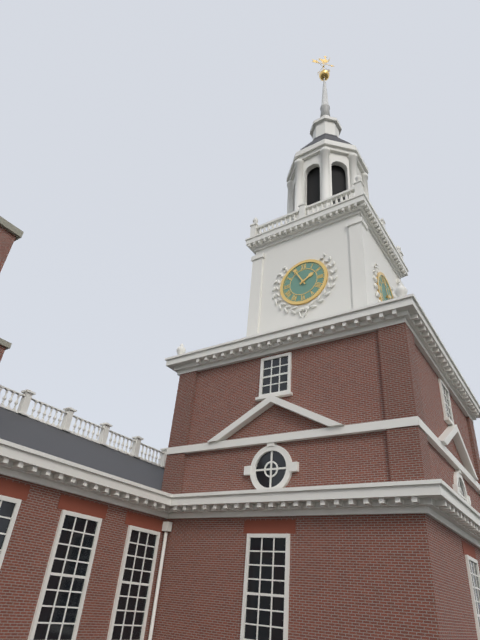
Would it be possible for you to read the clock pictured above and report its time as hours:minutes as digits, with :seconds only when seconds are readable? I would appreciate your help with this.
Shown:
1:55
